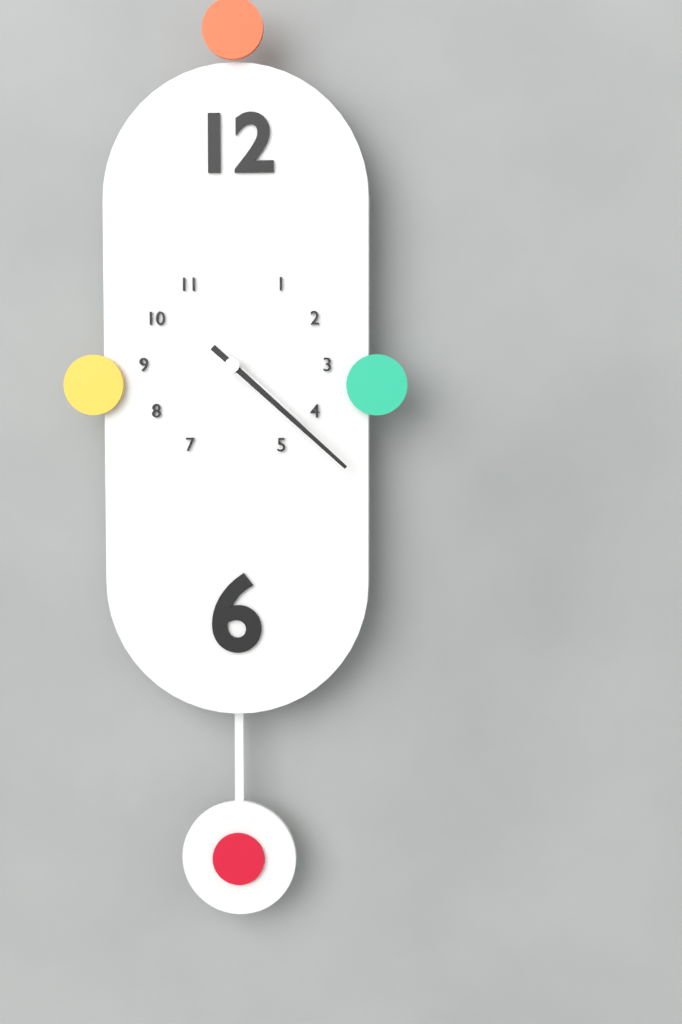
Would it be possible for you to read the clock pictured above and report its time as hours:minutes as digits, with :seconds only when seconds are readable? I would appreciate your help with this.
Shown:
4:22
